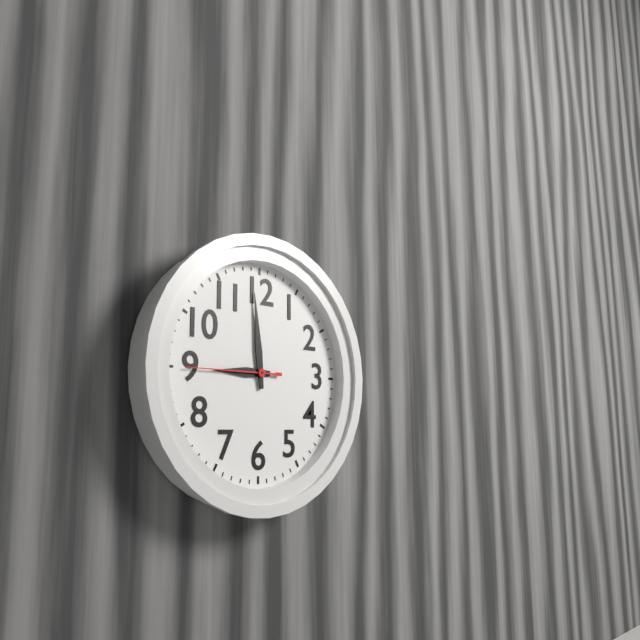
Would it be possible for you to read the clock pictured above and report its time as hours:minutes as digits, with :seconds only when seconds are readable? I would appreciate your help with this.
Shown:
8:59:45
